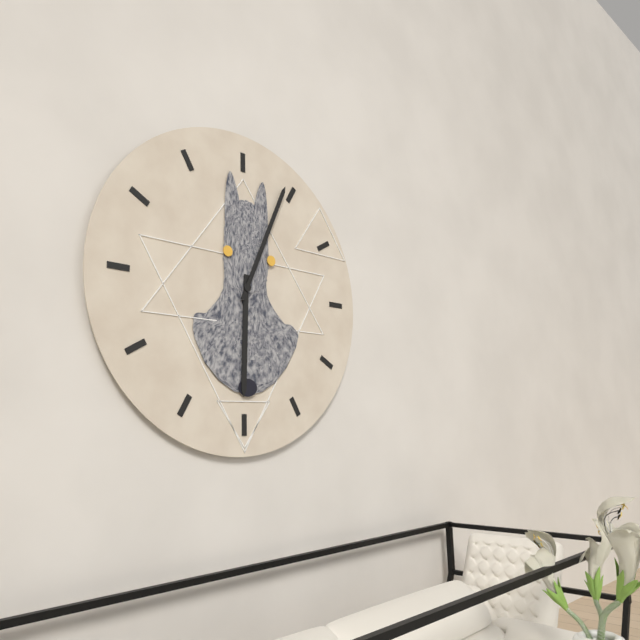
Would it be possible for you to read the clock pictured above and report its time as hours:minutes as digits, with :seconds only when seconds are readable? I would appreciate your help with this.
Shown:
6:04
